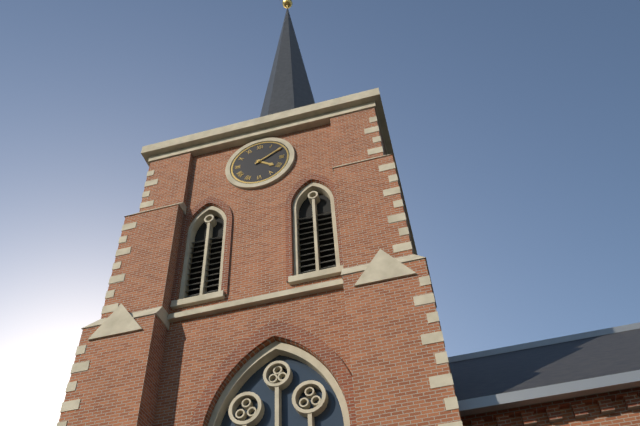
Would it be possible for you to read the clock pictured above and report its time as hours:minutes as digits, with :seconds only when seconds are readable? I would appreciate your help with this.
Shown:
4:10
